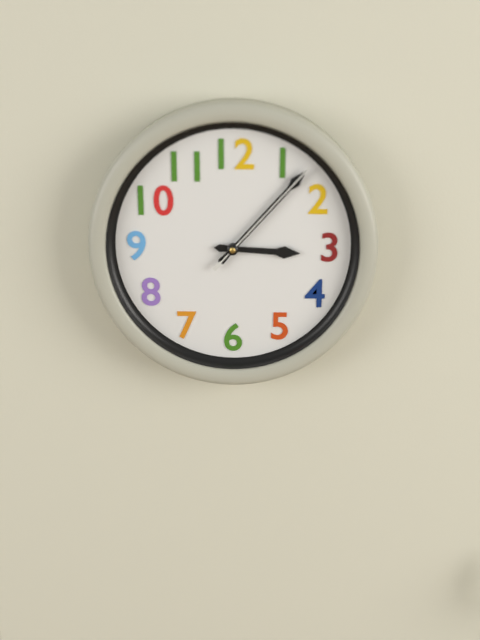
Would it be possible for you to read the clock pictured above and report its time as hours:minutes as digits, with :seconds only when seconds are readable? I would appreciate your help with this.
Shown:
3:07:07
